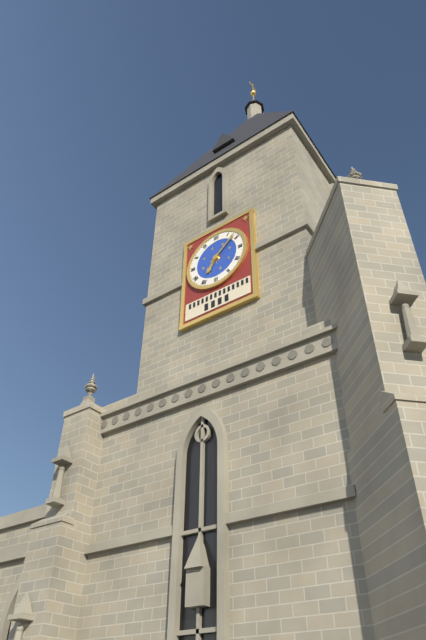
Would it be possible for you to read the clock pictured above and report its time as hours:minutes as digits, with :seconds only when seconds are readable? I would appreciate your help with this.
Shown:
7:08
